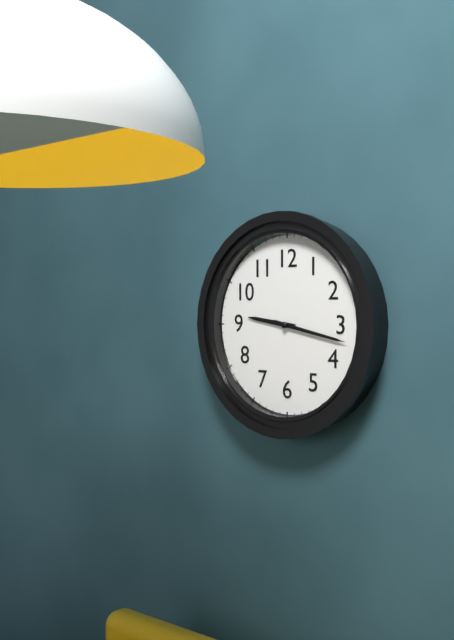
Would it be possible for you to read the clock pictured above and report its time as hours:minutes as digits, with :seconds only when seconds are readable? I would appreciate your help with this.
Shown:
9:17
